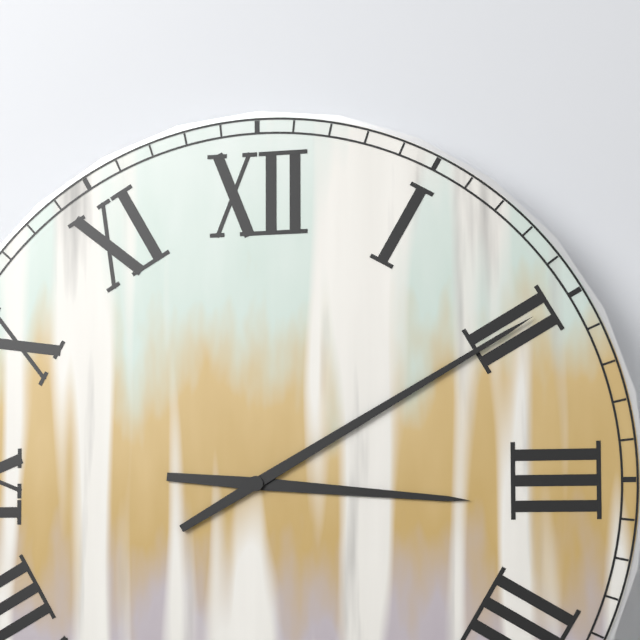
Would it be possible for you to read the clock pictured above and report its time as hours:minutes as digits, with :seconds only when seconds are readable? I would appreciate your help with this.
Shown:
3:10
